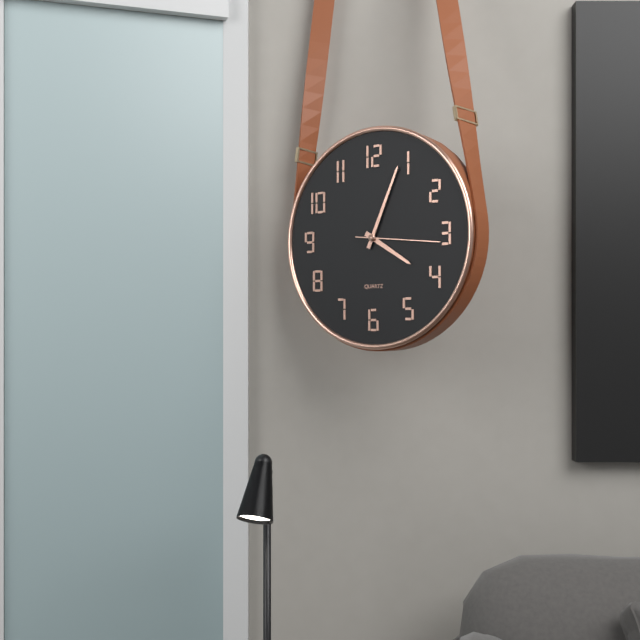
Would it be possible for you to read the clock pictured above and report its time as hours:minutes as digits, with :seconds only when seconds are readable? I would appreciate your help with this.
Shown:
4:04:16
